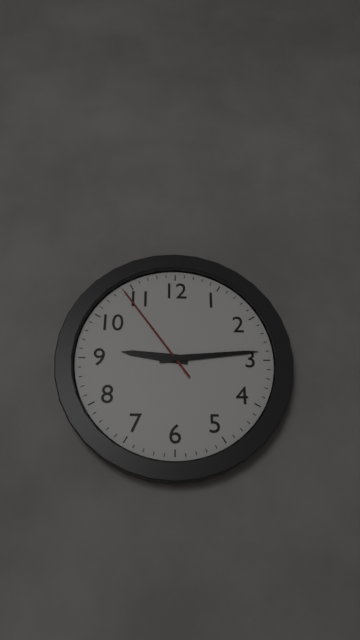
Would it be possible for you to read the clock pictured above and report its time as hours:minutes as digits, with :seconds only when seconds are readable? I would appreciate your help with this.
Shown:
9:14:54
